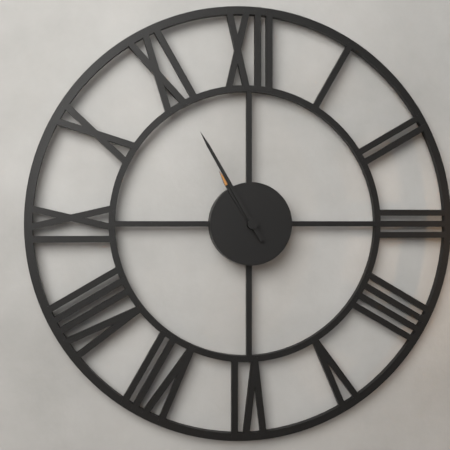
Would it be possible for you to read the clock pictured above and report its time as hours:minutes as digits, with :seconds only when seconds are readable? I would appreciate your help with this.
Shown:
10:55
